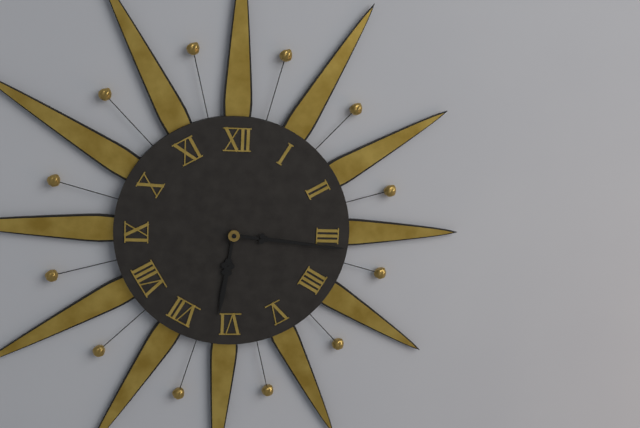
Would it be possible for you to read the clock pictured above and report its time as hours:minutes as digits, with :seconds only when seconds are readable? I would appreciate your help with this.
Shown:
6:16
